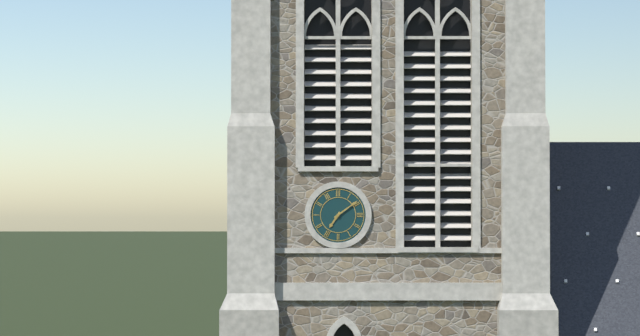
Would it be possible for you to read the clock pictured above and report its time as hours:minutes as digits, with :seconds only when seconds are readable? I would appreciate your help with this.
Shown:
7:09
